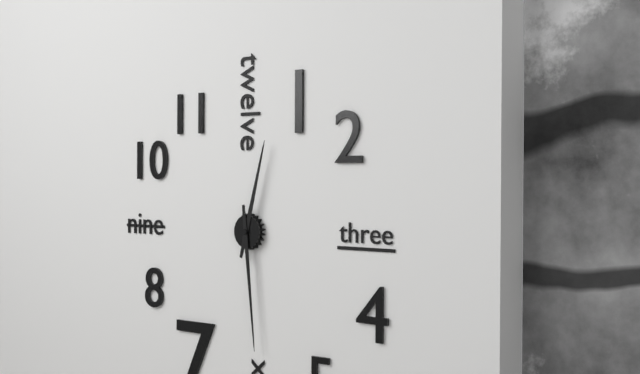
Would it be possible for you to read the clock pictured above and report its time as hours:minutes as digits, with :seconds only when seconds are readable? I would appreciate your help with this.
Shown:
12:29
